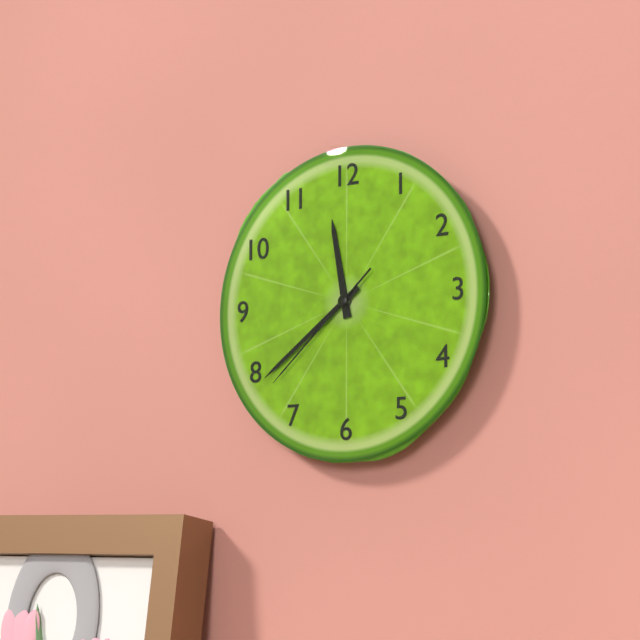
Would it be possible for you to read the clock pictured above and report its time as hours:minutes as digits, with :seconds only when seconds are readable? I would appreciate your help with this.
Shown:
11:39:38
